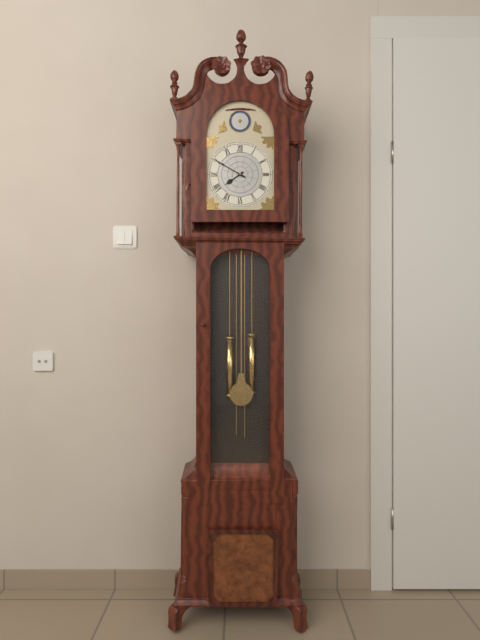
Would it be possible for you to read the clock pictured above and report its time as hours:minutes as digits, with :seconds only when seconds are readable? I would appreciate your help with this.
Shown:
7:50
